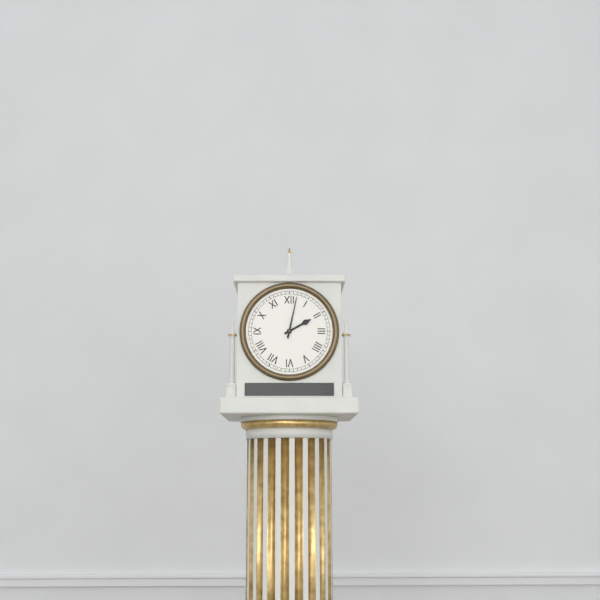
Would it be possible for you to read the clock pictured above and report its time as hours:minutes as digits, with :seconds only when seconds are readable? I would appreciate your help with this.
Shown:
2:02
